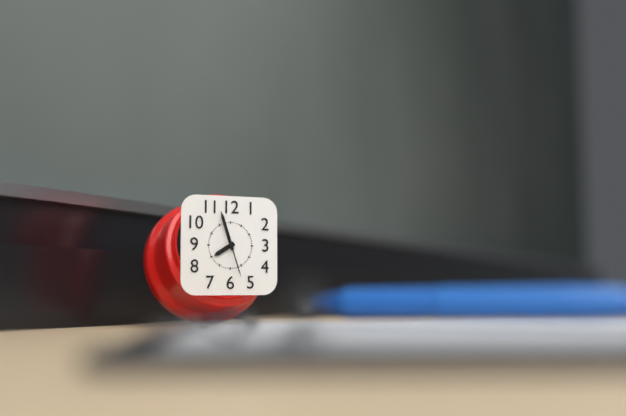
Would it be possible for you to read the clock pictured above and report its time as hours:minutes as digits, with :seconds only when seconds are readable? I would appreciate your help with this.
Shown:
7:57
